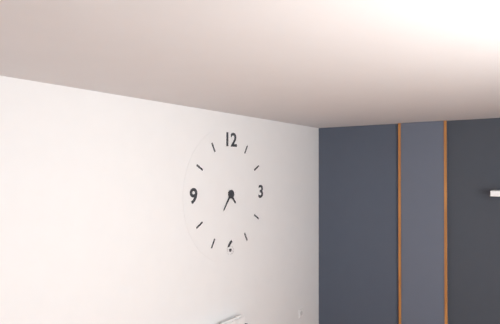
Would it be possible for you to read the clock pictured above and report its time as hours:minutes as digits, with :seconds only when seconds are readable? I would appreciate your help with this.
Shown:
4:36
